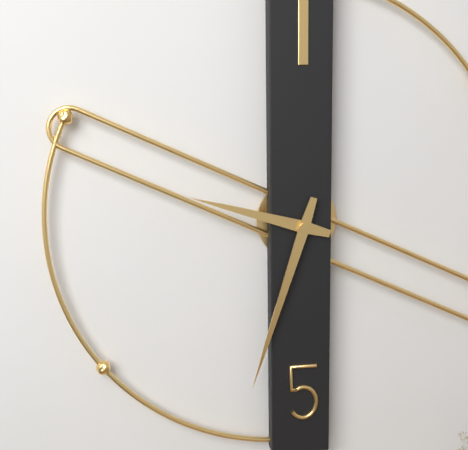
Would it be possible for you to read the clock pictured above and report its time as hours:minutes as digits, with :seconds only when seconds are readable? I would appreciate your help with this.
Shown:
9:33
